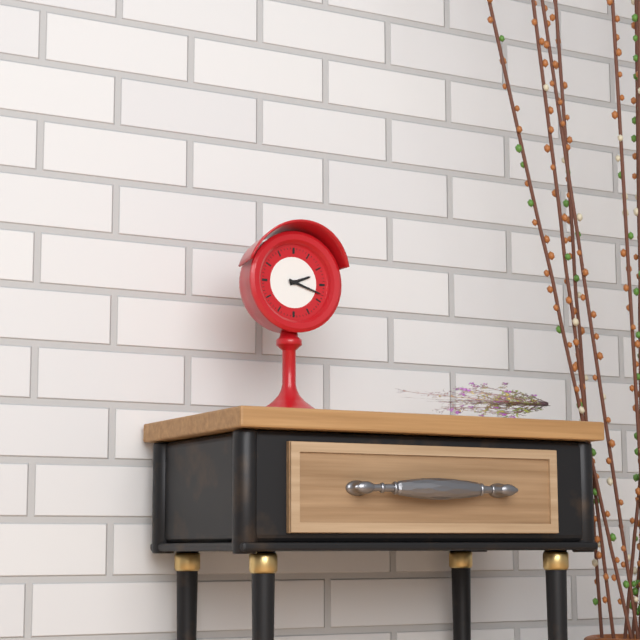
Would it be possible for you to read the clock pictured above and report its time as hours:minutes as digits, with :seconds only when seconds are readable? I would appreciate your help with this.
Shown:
2:18
